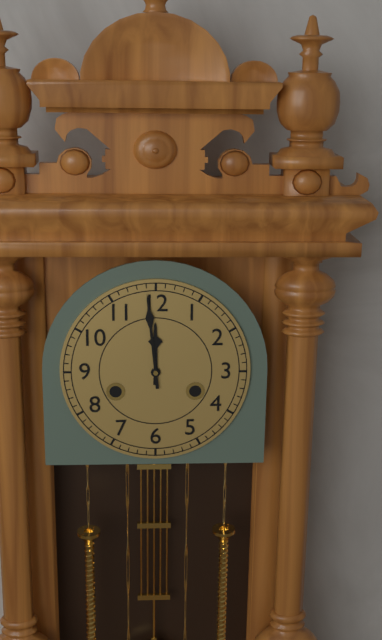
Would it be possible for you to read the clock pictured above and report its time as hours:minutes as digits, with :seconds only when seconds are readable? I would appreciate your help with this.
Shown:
11:59
